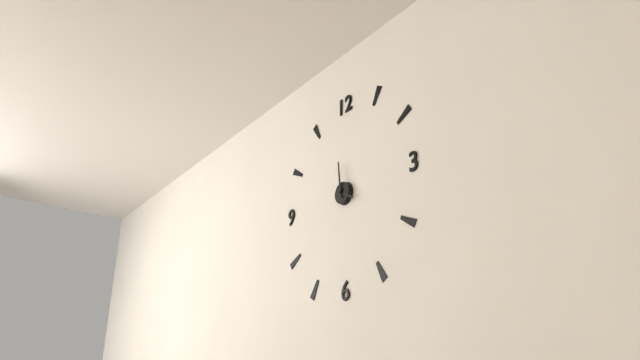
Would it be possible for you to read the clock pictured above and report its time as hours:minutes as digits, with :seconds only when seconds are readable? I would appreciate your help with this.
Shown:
3:59
